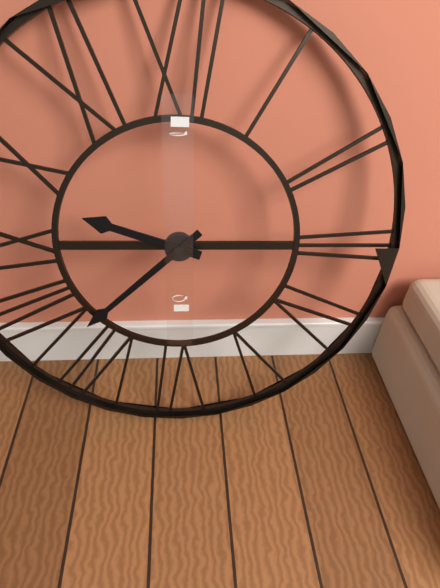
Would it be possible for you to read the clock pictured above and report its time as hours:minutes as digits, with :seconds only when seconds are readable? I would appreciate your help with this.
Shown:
9:38
